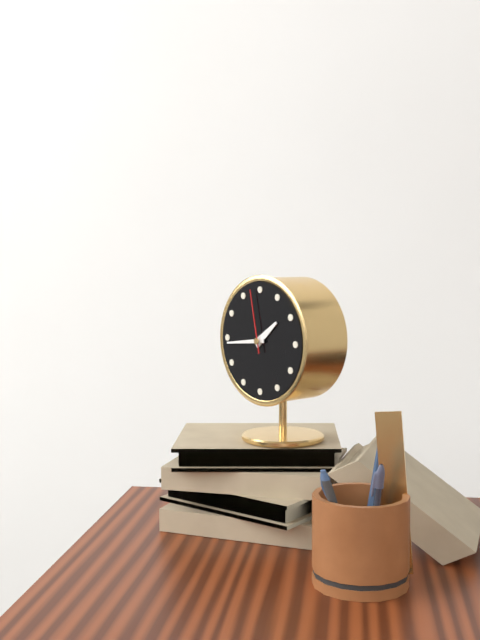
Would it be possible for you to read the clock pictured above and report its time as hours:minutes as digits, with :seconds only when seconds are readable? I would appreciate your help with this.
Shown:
1:44:58
